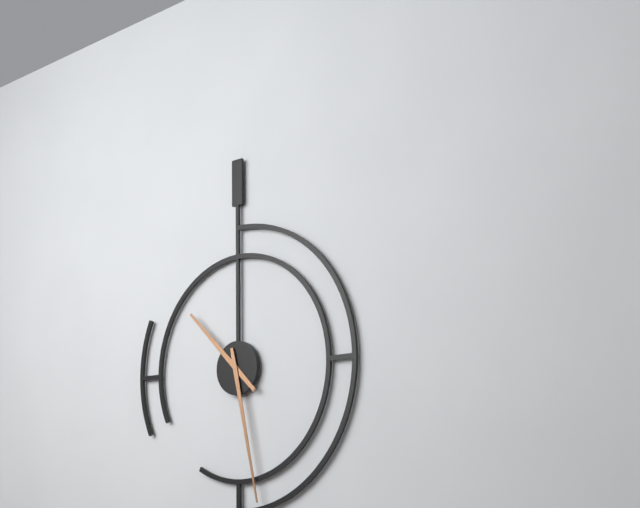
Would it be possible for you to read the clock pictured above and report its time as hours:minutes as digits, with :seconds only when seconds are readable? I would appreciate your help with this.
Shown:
10:28
